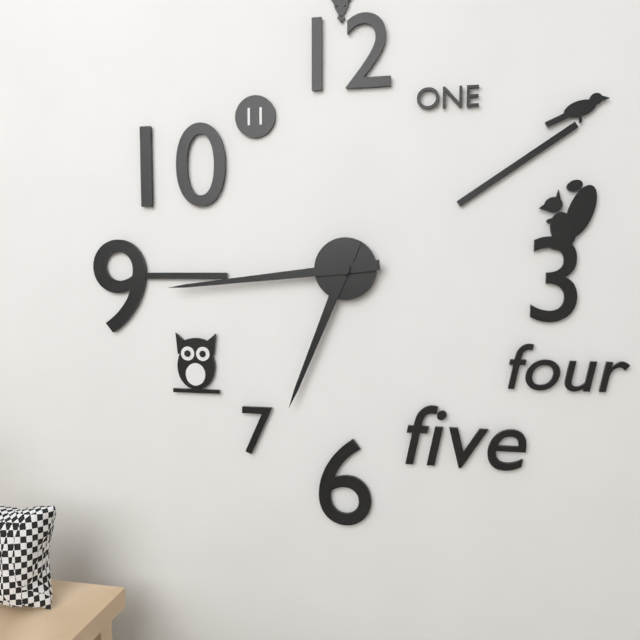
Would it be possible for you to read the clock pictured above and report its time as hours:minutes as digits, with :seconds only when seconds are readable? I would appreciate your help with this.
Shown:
6:44
